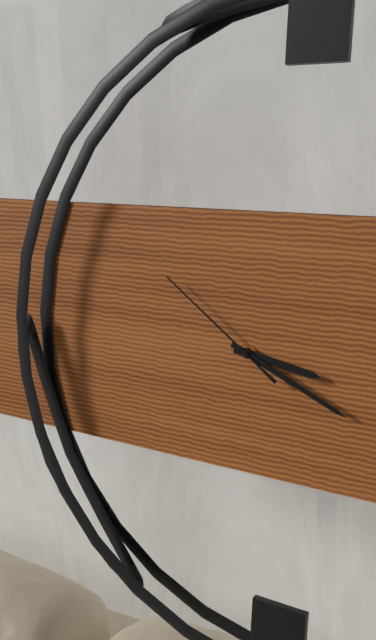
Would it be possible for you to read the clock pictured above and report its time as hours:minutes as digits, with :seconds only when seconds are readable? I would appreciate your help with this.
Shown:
3:19:51
